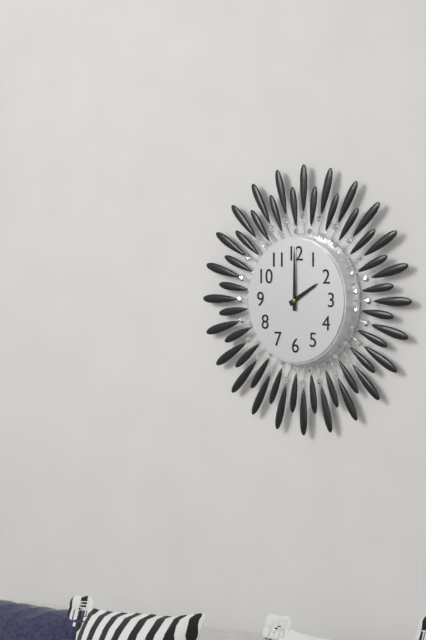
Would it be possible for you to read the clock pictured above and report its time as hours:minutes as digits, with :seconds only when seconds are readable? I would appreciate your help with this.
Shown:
2:00
